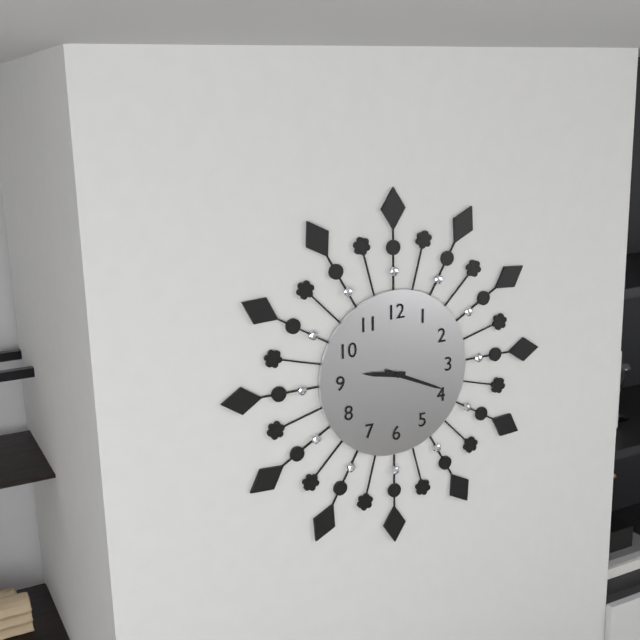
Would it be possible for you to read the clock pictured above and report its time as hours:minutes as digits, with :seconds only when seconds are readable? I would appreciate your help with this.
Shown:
9:19
